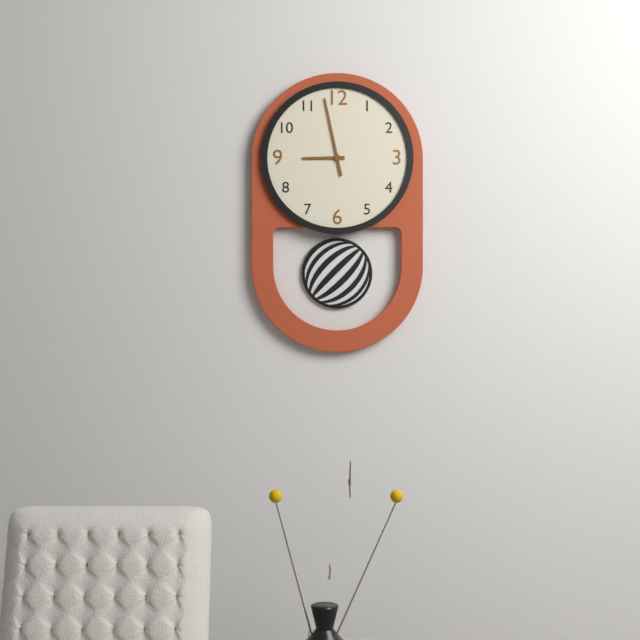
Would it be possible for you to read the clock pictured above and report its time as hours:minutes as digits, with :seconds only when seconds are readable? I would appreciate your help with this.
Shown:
8:58
